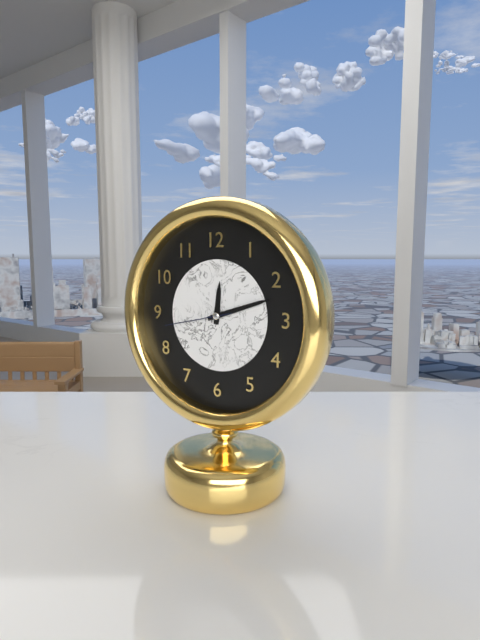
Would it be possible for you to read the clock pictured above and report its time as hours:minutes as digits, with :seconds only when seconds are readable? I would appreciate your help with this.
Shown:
12:12:43
